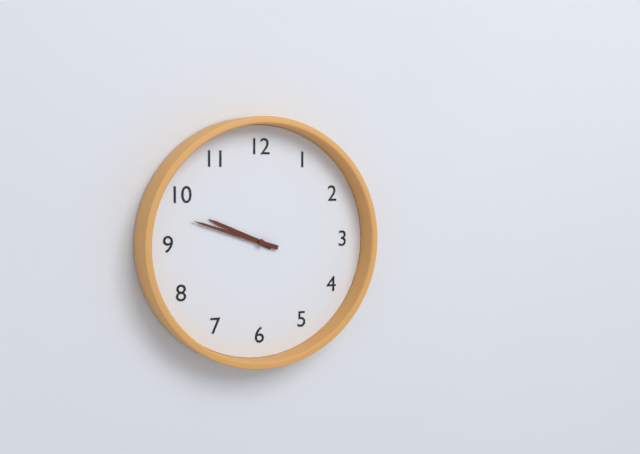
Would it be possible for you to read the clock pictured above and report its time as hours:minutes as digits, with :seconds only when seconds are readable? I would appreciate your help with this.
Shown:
9:48
